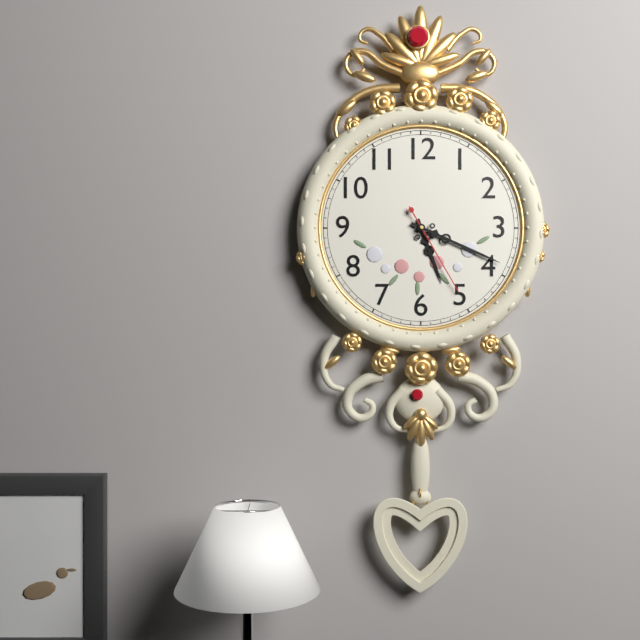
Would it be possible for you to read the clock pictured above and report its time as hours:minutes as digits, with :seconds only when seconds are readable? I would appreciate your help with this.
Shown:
5:19:25
